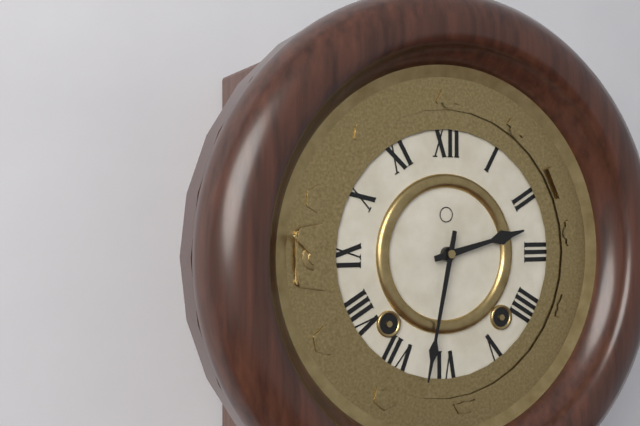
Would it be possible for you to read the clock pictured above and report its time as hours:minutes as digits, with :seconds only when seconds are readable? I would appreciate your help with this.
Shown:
2:32
